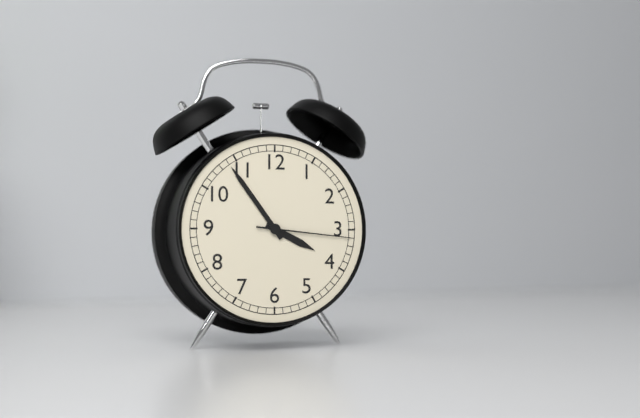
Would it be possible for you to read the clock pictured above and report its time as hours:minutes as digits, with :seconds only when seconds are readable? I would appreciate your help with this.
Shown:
3:54:16
